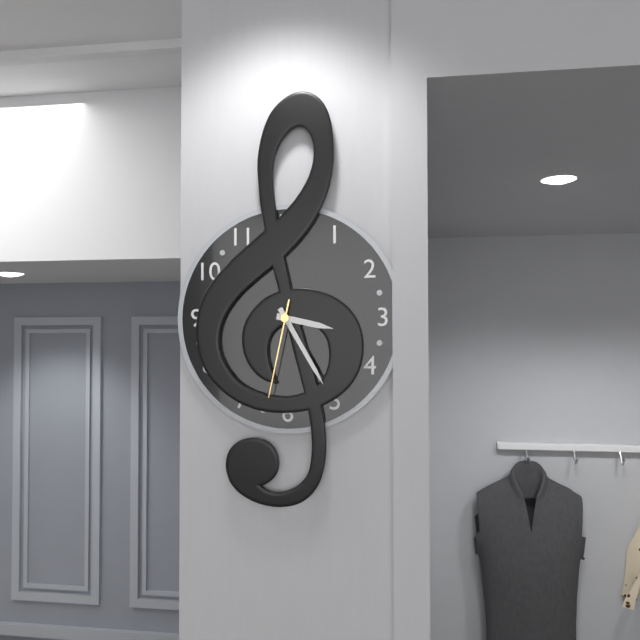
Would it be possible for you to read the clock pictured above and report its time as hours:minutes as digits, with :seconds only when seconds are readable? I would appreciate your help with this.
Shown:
3:25:32
